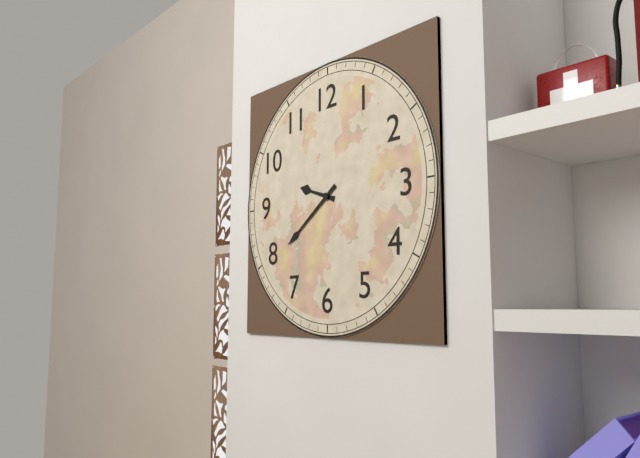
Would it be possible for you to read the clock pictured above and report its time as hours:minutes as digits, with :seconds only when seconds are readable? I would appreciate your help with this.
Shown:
9:39
